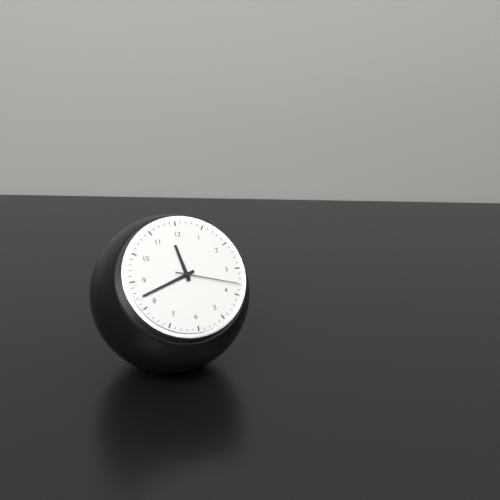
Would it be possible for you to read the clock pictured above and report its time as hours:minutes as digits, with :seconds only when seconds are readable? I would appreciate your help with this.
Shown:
11:42:18
